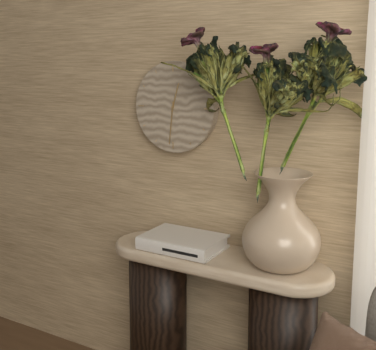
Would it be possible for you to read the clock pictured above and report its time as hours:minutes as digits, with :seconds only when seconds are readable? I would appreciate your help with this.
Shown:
12:31
